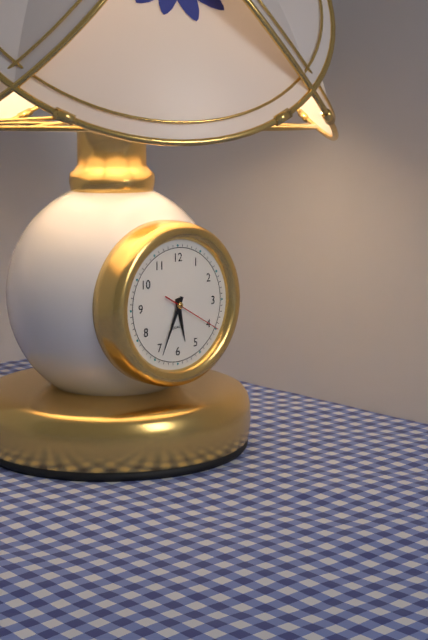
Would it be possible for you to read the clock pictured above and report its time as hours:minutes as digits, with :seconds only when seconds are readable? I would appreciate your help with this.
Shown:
5:34:20
